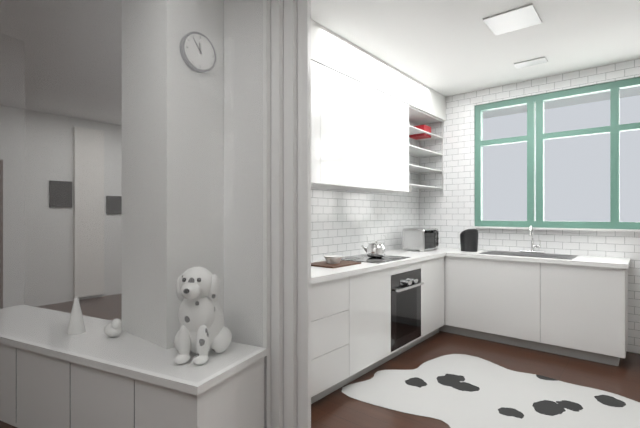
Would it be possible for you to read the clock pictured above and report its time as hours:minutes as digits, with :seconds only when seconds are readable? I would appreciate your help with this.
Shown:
11:54
